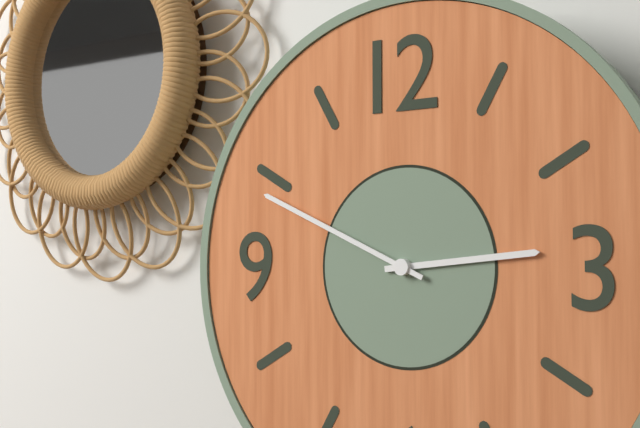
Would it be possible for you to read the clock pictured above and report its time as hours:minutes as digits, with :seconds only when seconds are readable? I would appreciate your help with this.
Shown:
2:49
